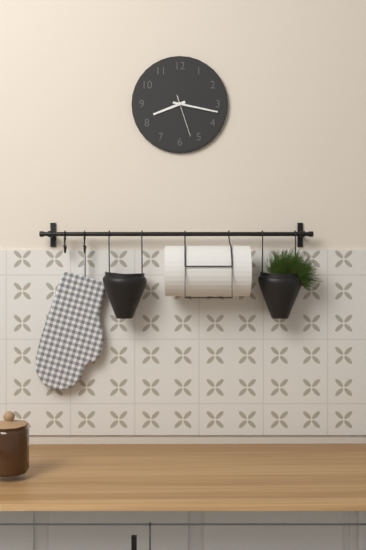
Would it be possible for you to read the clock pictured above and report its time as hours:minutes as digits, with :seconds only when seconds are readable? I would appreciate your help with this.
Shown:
8:17
